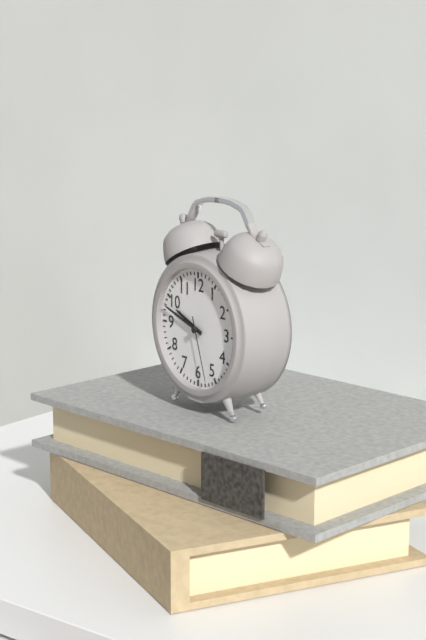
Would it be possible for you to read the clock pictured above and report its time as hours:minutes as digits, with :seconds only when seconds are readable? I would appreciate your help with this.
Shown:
9:48:27
